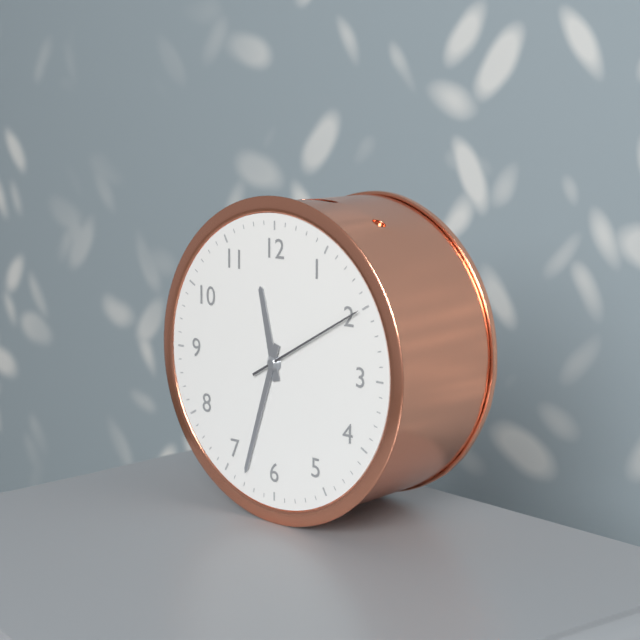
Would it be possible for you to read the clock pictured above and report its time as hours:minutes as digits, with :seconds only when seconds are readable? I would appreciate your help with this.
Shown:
11:33:10
